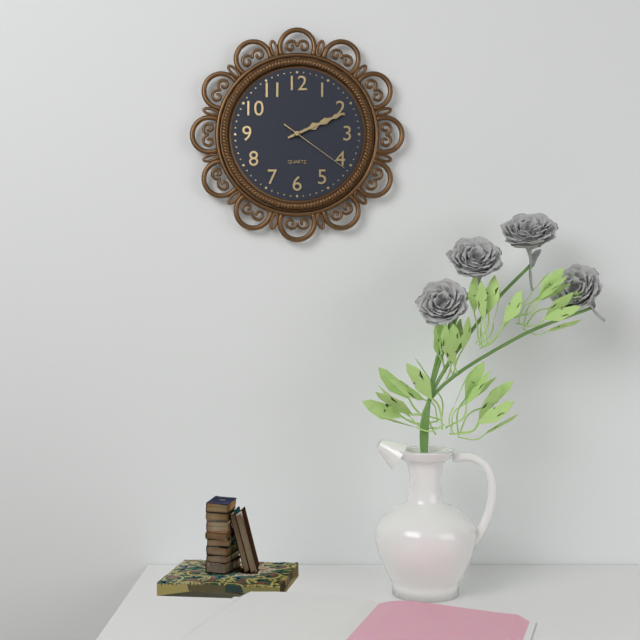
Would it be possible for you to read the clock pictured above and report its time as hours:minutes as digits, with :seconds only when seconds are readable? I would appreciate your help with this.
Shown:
2:11:21
